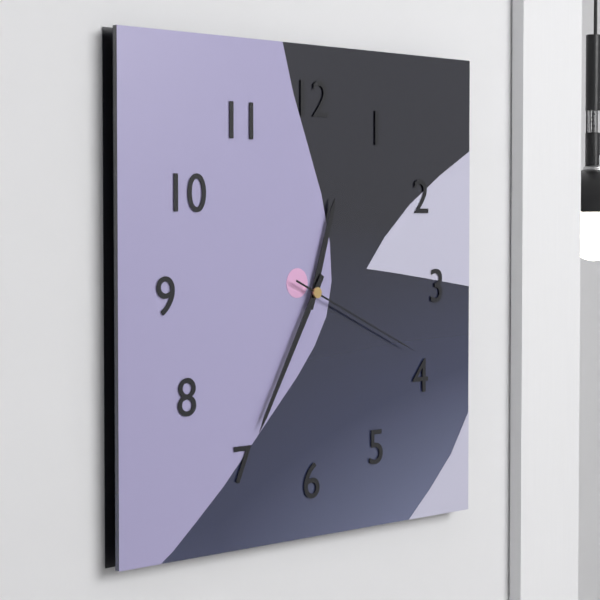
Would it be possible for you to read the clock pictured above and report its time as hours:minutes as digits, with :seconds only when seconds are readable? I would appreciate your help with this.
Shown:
12:35:19
